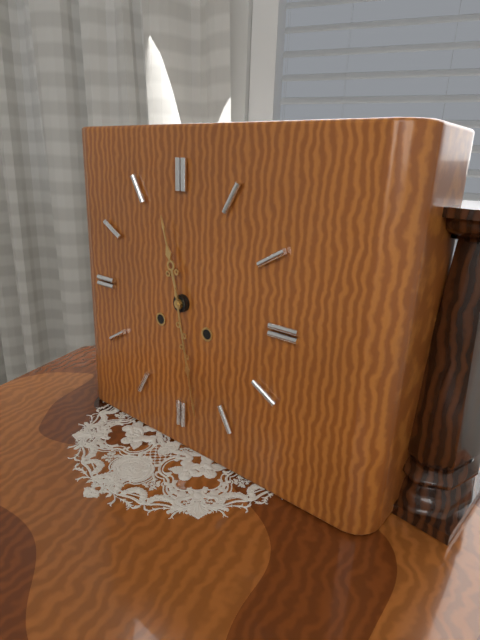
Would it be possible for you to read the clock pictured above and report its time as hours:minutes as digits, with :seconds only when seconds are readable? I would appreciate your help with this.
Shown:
11:28
